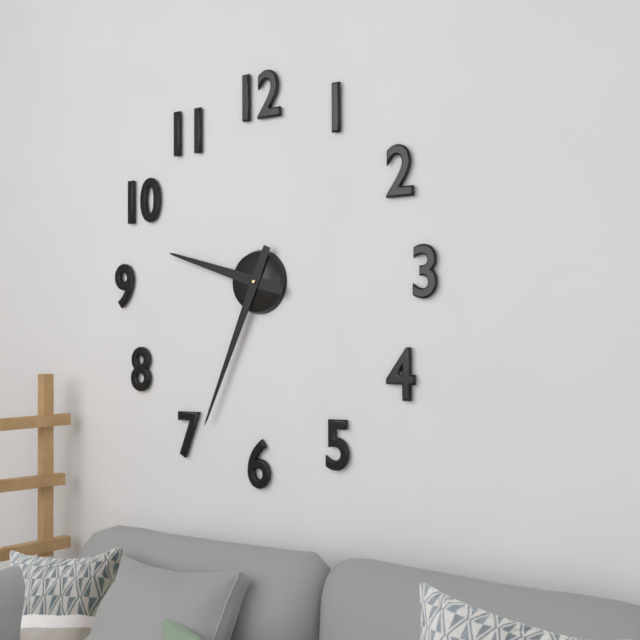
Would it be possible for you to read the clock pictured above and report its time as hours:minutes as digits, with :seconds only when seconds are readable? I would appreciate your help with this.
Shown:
9:34
